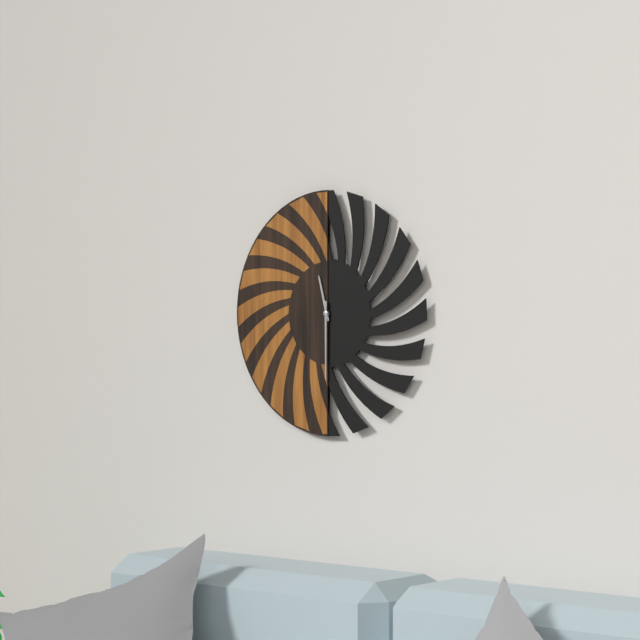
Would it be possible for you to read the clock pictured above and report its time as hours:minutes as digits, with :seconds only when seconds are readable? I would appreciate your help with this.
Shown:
11:30
